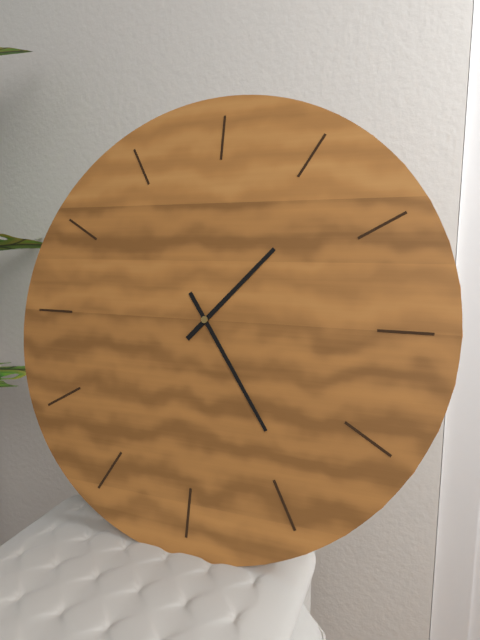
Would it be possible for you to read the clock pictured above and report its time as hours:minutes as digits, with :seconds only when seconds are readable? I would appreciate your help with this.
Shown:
1:24
